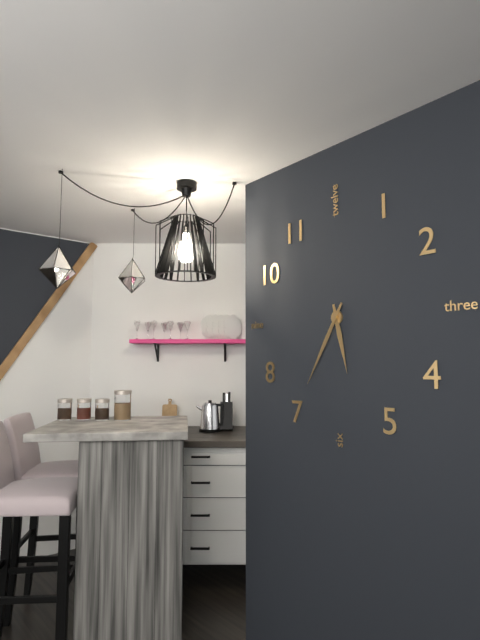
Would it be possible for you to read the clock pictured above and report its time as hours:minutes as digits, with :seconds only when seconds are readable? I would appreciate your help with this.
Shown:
5:35
